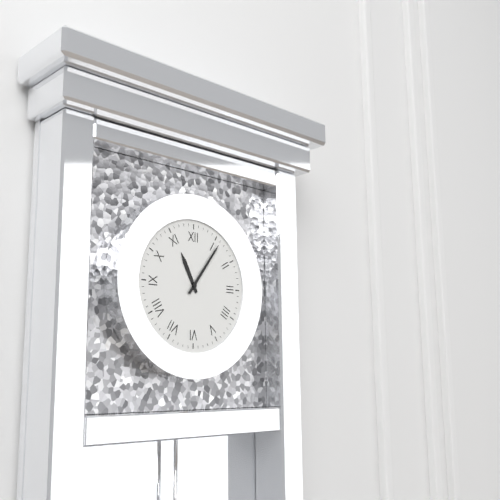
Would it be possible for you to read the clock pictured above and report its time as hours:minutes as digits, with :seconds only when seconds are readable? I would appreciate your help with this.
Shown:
11:06
